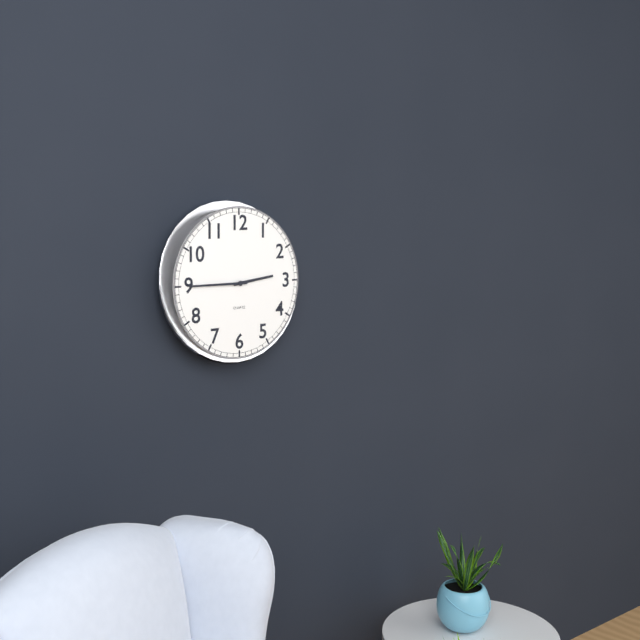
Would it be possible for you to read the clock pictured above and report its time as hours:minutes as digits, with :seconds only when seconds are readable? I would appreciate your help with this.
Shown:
2:45
